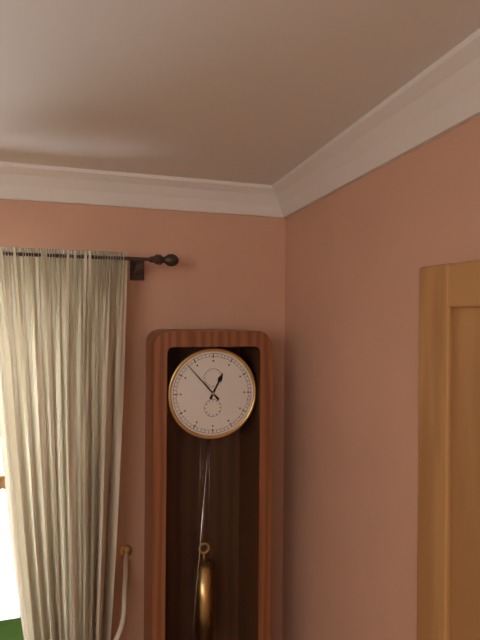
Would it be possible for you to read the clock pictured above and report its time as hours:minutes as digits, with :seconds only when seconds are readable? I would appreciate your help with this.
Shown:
12:53
